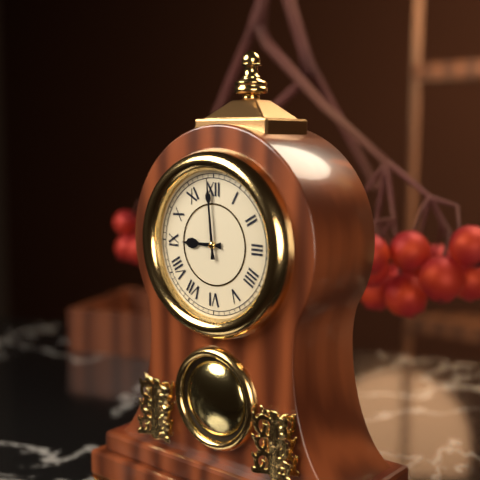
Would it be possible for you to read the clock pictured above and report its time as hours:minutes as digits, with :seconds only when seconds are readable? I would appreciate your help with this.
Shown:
8:59
